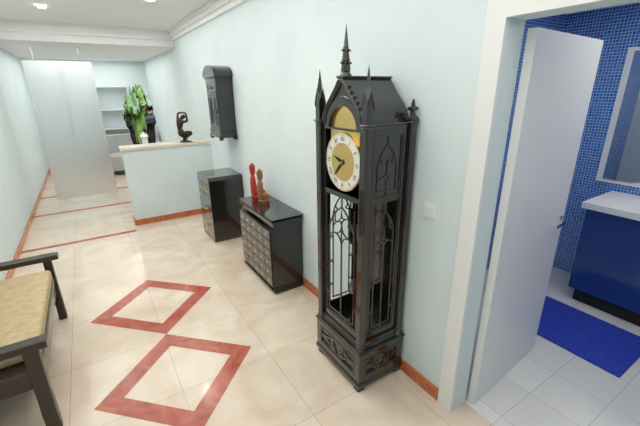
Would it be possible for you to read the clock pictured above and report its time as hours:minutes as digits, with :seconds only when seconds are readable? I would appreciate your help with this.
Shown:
9:37
